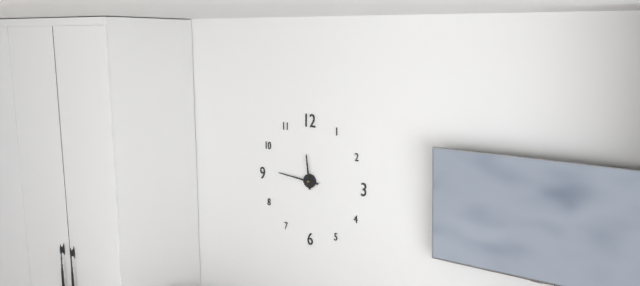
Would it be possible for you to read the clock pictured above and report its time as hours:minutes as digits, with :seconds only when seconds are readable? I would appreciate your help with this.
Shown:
11:46
